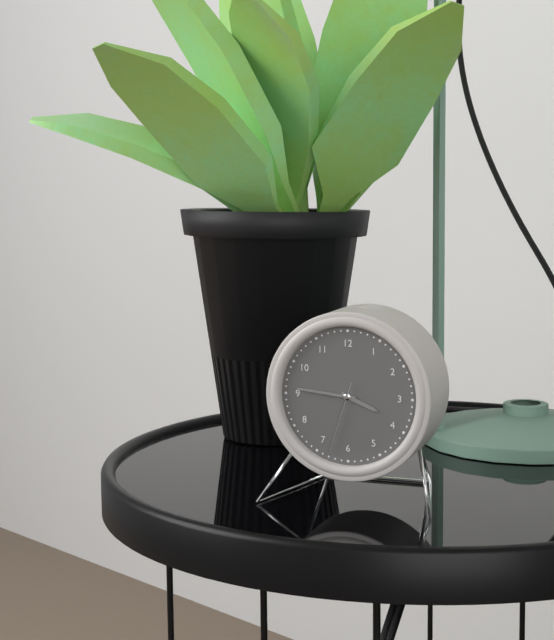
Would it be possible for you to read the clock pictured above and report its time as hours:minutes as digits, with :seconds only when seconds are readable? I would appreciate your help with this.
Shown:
3:46:33
